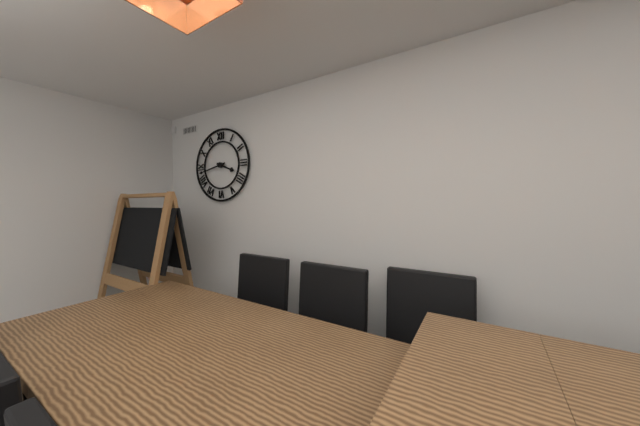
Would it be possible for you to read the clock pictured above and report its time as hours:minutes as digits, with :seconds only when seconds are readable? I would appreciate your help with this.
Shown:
3:43
